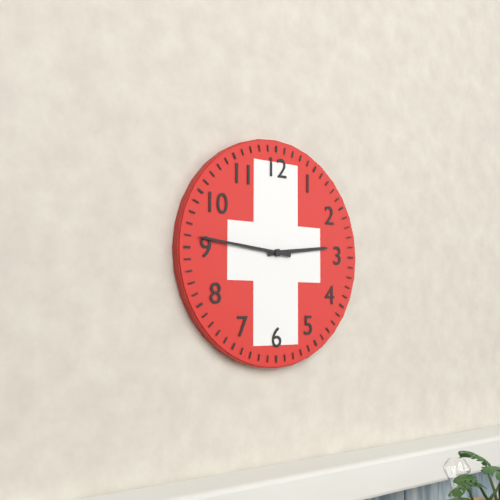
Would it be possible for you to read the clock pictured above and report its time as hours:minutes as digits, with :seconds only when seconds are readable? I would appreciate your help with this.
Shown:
2:46
